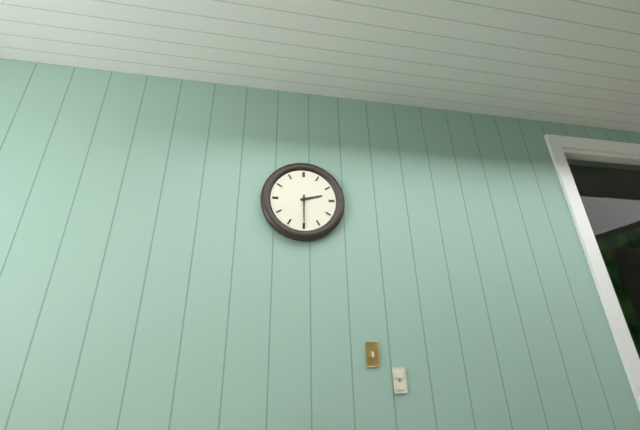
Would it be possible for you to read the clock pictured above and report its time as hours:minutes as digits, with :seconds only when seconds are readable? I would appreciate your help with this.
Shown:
2:30
